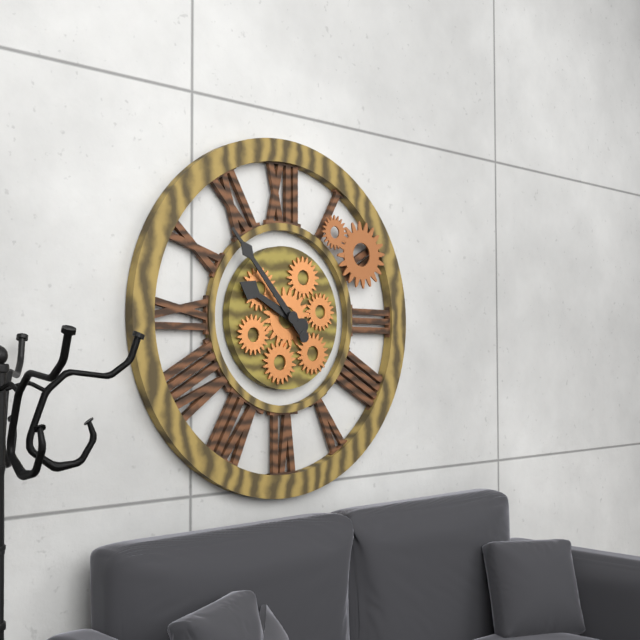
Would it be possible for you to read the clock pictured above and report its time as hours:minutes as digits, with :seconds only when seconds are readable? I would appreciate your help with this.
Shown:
9:53
